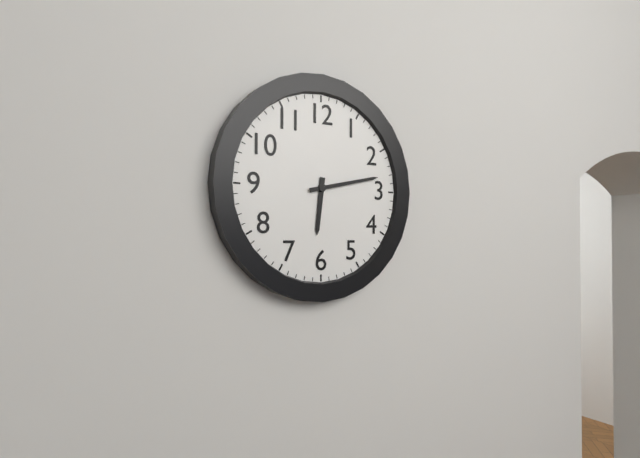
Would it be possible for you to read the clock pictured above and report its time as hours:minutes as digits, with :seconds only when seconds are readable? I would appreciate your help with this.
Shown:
6:13
